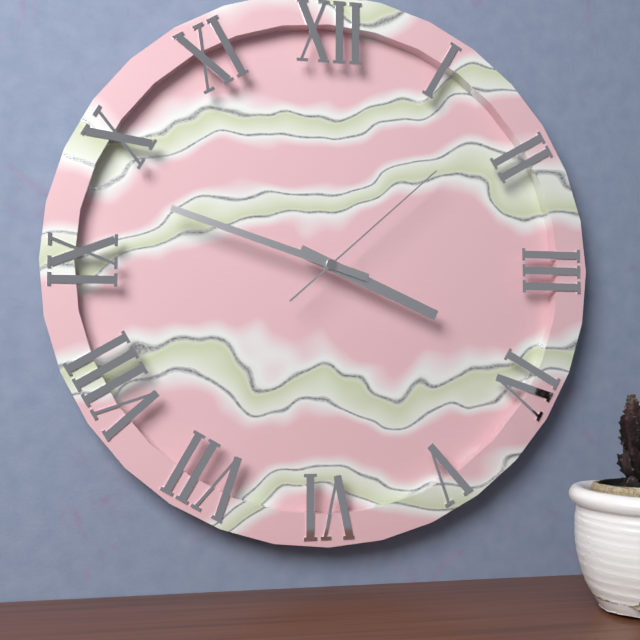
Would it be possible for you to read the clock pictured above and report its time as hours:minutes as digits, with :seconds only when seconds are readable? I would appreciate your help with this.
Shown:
3:48:08
